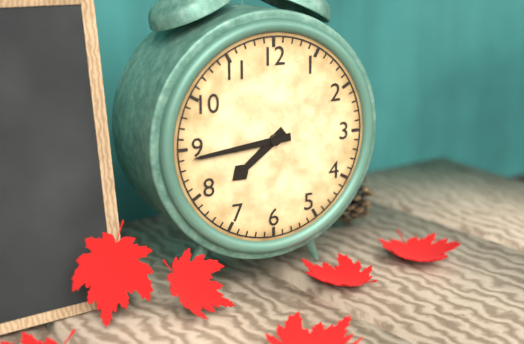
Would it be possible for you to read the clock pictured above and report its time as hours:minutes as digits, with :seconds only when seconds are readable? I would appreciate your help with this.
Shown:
7:44
